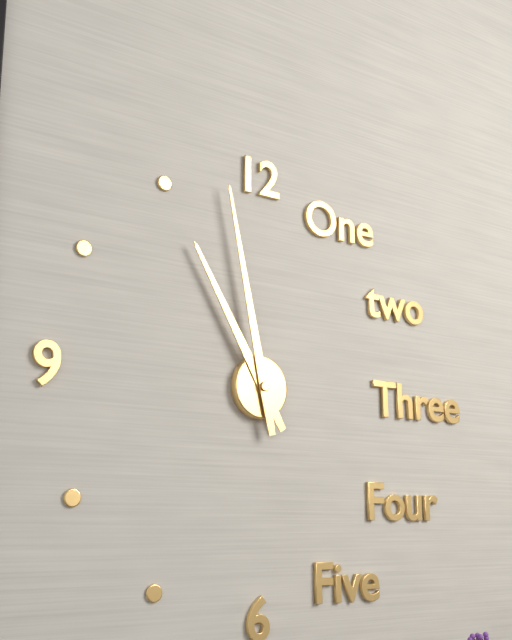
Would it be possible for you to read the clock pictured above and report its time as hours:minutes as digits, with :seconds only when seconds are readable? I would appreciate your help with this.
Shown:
10:58
